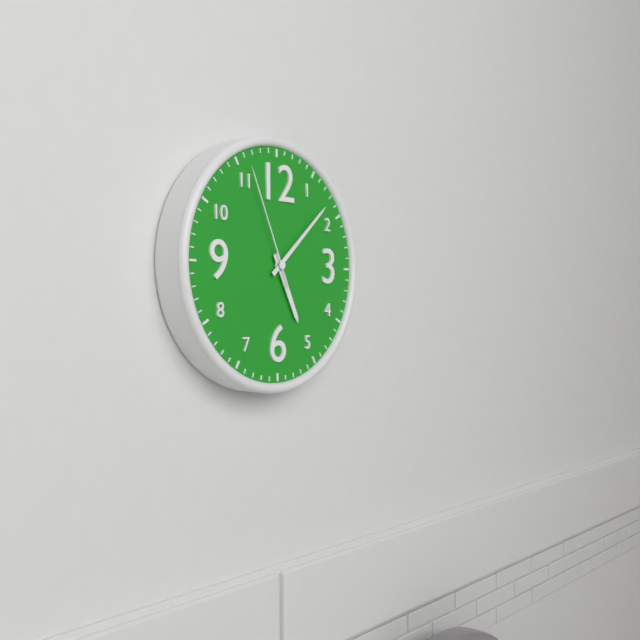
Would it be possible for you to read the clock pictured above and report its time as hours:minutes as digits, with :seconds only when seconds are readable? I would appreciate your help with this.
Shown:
5:08:56
